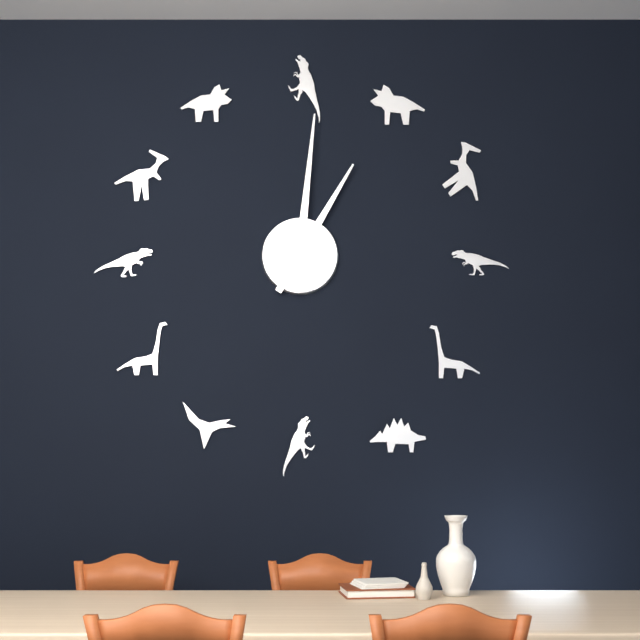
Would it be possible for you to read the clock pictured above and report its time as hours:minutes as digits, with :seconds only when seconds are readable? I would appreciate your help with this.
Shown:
1:01
